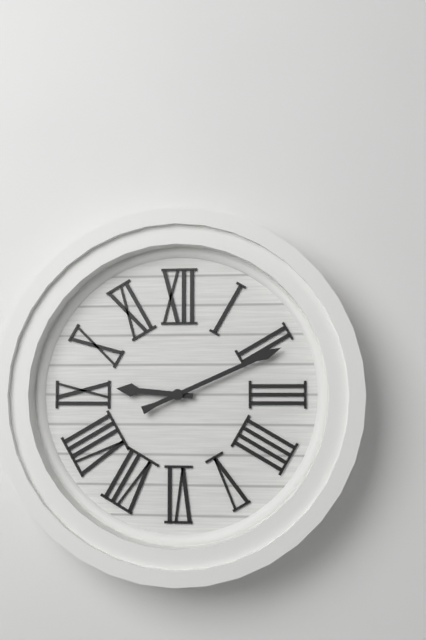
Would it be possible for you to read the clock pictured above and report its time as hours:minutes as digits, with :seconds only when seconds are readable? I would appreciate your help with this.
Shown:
9:11
